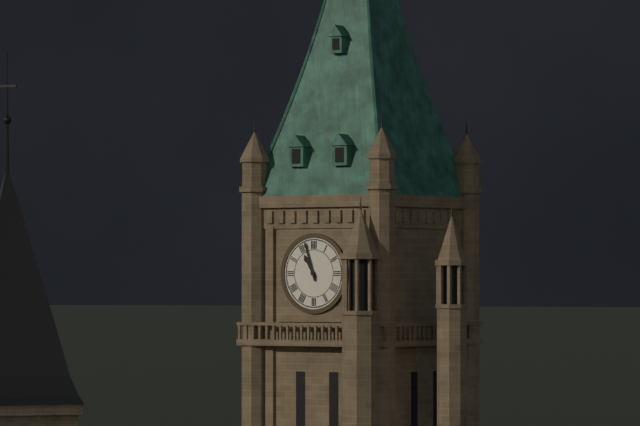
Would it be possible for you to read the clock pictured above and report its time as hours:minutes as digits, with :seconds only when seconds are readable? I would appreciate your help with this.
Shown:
10:57
